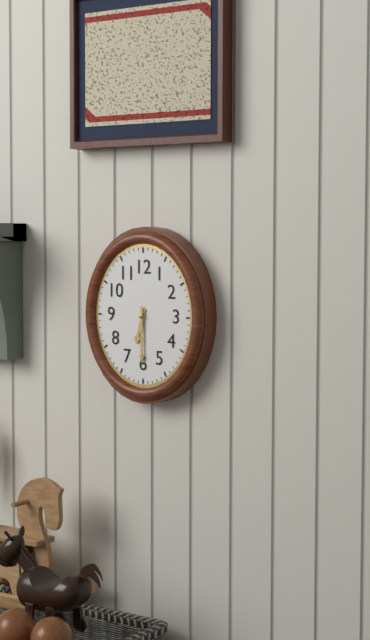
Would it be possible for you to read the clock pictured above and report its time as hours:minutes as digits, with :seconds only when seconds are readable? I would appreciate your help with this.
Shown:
6:30
